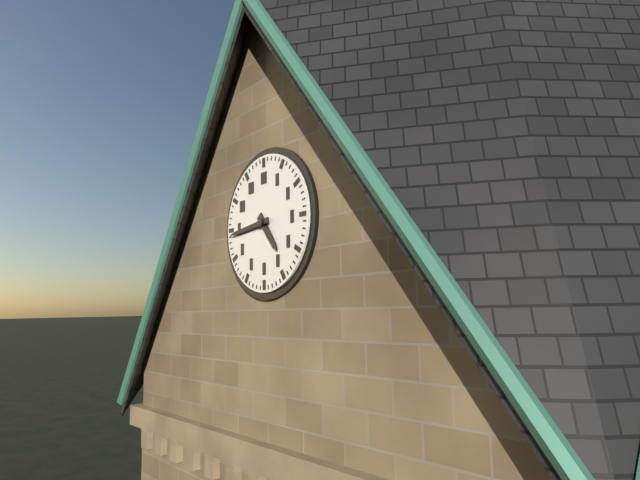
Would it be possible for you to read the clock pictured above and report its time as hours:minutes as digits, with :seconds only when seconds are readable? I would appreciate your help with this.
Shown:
4:44
